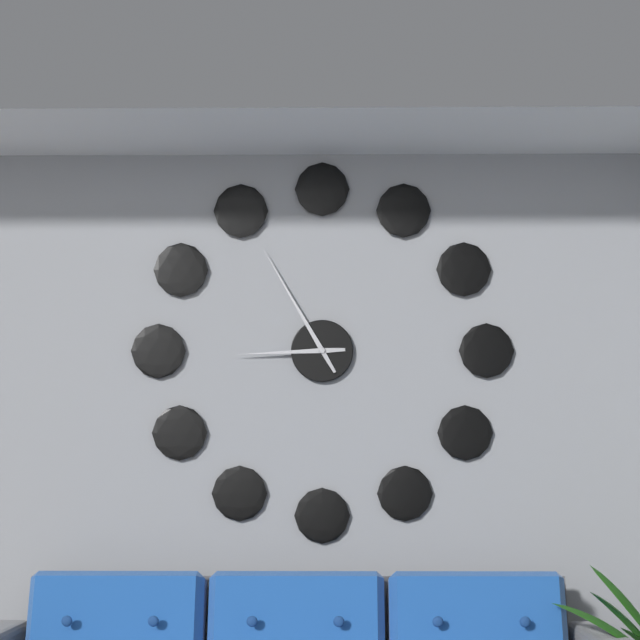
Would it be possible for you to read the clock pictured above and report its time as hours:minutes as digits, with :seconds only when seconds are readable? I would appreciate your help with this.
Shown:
8:55
